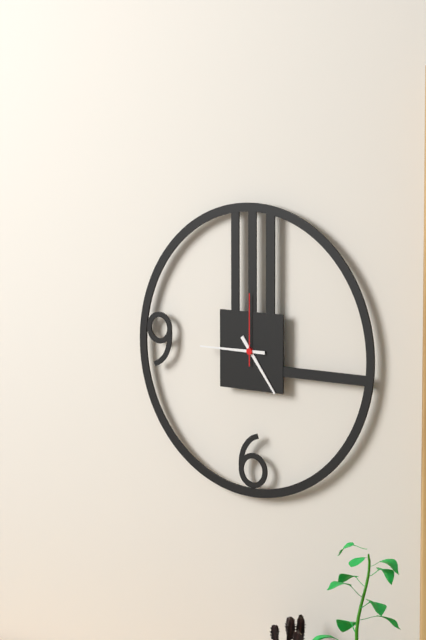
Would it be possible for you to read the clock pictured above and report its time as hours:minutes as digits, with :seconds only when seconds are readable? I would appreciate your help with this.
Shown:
4:45:00
